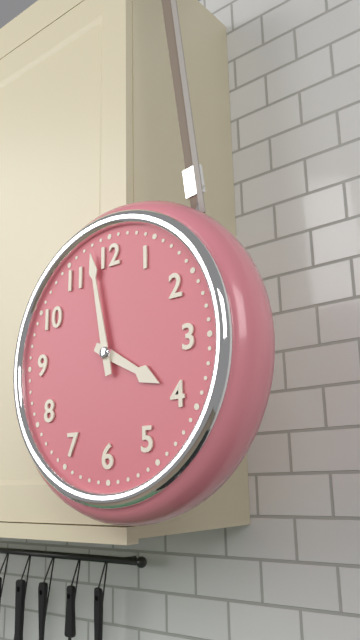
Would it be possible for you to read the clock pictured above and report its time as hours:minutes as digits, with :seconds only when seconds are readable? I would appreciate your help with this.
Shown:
3:58
